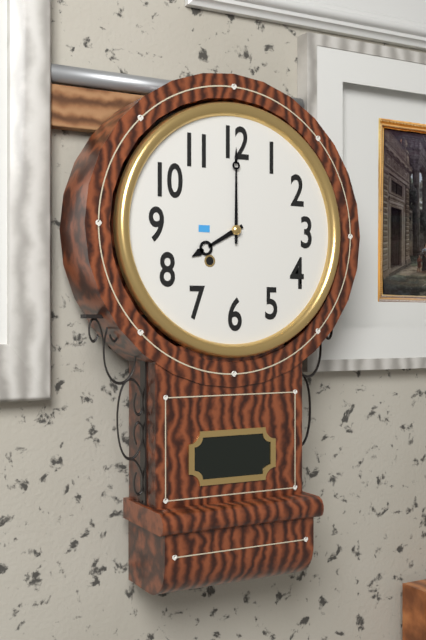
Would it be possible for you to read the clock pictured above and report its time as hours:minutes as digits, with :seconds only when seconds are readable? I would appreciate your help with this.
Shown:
8:00
